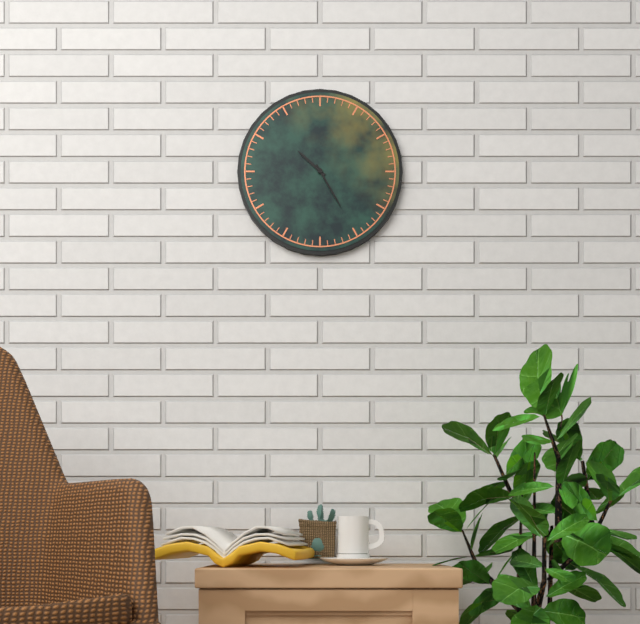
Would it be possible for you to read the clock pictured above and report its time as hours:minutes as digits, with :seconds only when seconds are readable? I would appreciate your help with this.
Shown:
10:25
